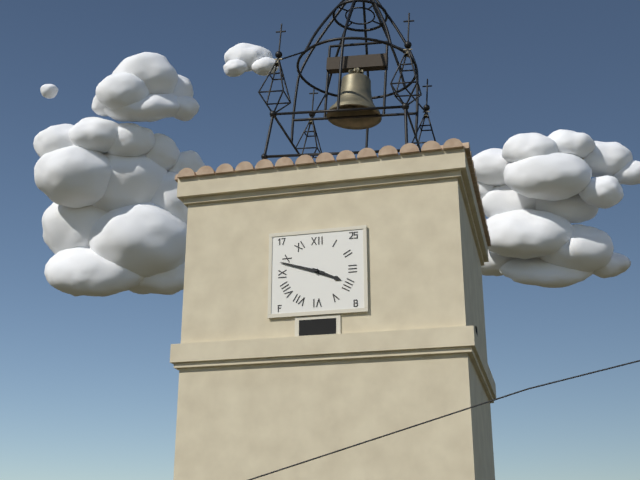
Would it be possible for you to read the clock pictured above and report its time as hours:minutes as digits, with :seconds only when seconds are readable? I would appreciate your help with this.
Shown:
3:48
